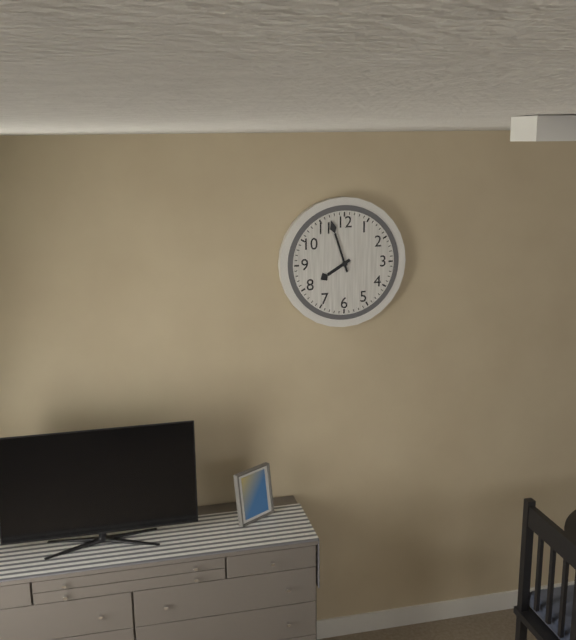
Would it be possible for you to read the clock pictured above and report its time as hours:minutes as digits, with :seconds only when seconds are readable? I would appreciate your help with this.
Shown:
7:57
